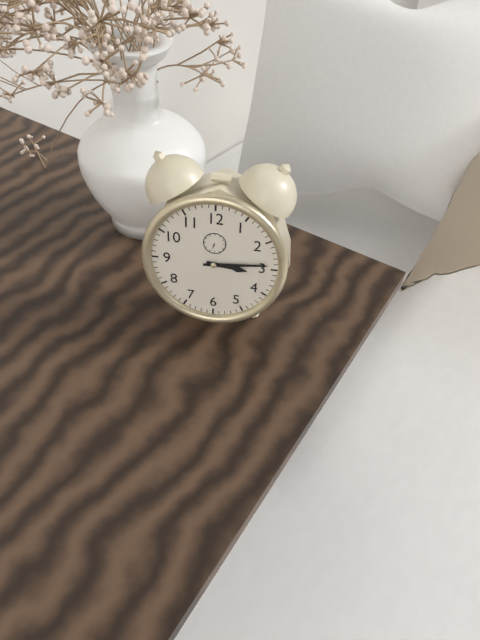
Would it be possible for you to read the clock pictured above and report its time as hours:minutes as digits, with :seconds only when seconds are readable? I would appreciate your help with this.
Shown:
3:14
